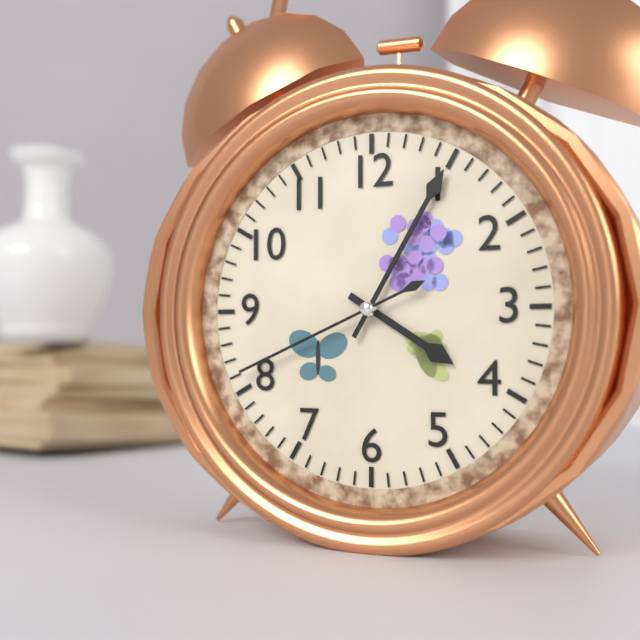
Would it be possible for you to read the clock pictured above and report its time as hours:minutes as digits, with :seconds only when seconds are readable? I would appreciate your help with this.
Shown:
4:05:41
